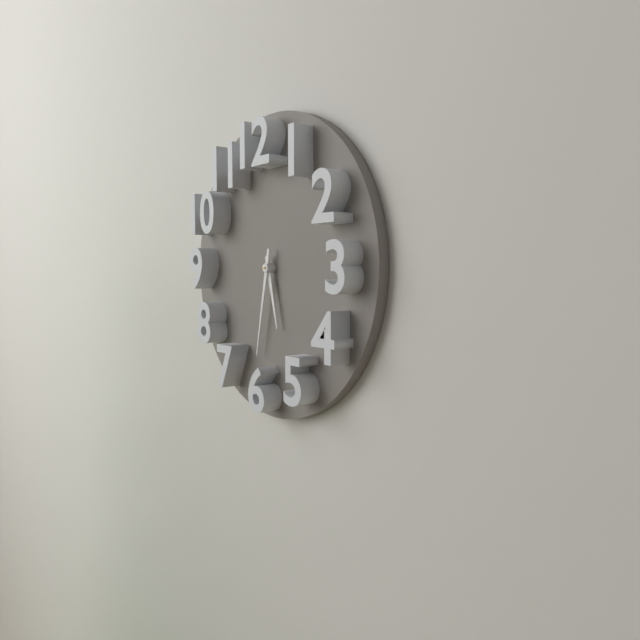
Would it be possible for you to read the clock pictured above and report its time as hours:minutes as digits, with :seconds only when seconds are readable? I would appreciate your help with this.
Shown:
5:32
